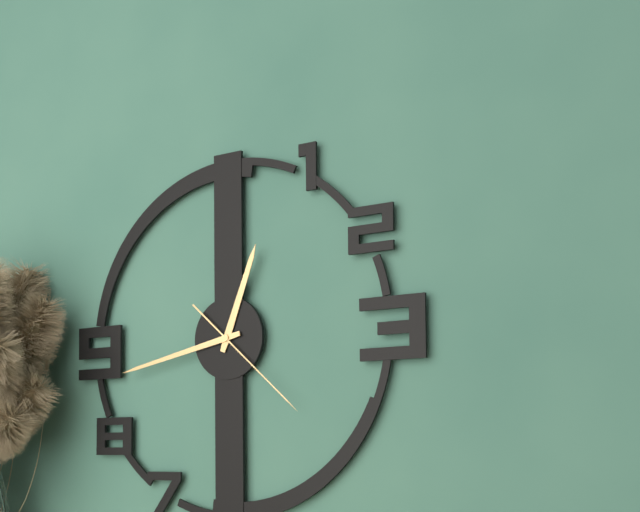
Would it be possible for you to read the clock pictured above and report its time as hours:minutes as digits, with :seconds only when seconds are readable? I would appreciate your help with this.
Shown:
12:43:22
